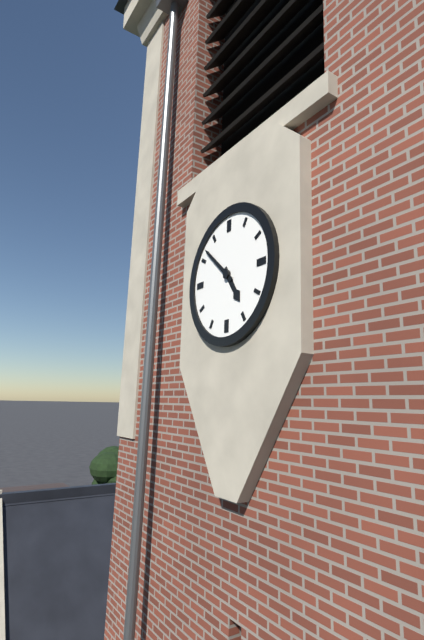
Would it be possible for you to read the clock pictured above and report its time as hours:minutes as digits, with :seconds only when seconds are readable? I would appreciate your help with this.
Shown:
4:52
